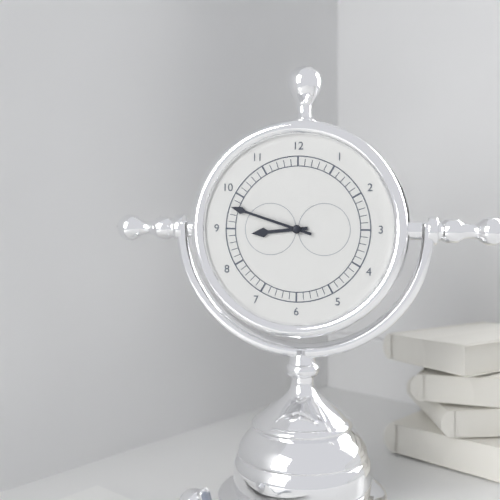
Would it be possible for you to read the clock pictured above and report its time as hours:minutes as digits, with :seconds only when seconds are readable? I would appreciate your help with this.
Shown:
8:48
